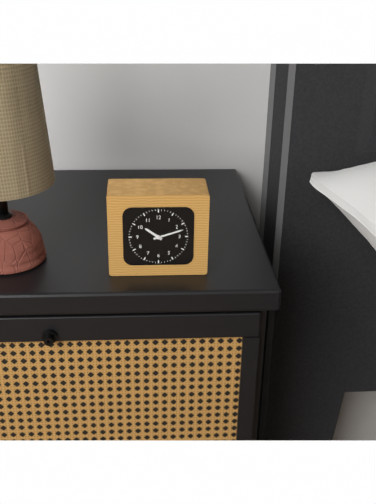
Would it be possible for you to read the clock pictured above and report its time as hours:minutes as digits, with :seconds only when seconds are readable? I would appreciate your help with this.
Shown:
10:12
